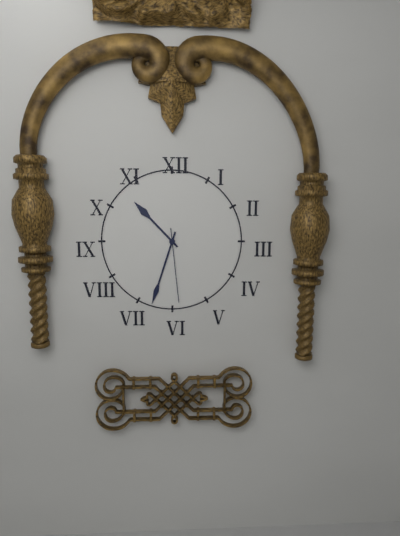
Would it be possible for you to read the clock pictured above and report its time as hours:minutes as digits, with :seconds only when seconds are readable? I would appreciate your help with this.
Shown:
10:33:29
